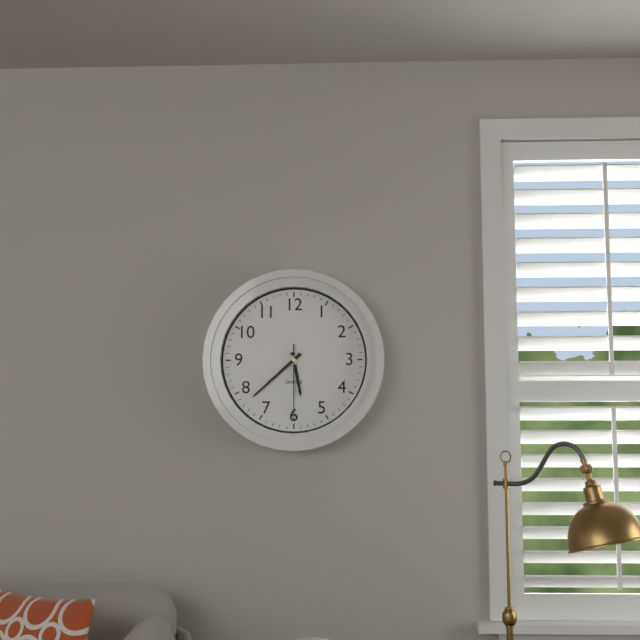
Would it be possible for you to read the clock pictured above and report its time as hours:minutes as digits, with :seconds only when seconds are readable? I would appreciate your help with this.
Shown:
5:38:30
